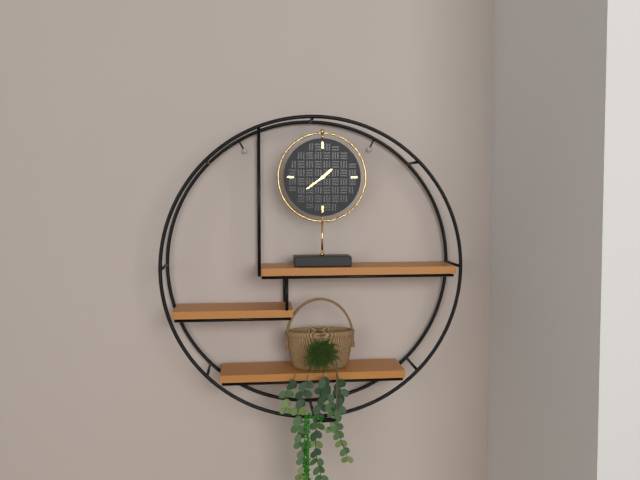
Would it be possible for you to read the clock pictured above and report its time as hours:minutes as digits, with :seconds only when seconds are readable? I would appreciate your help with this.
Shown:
1:39
